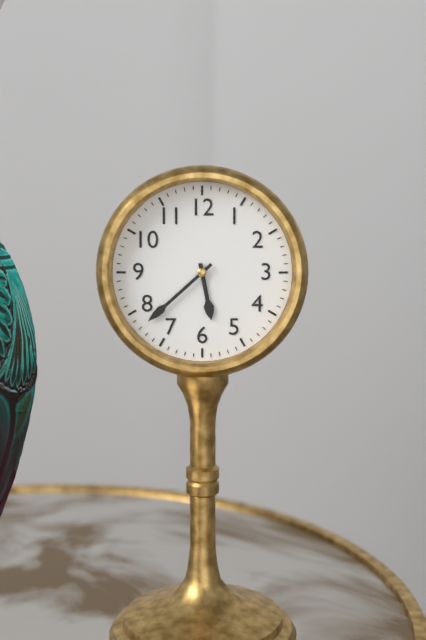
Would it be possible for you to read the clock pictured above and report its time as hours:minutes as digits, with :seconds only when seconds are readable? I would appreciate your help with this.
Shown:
5:38
